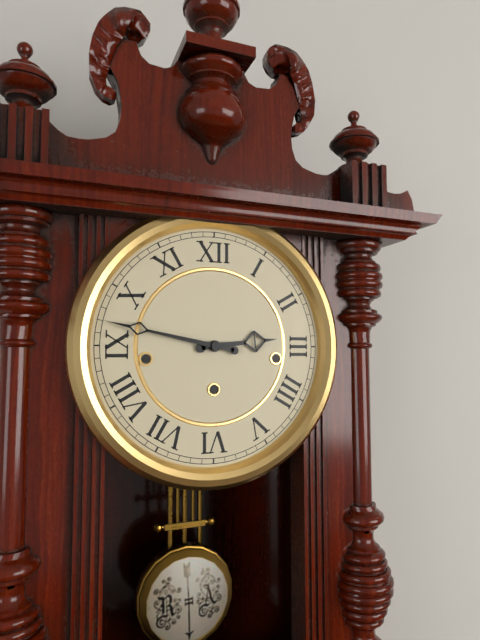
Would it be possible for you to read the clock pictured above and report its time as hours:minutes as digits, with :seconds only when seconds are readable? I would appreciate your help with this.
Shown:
2:47
